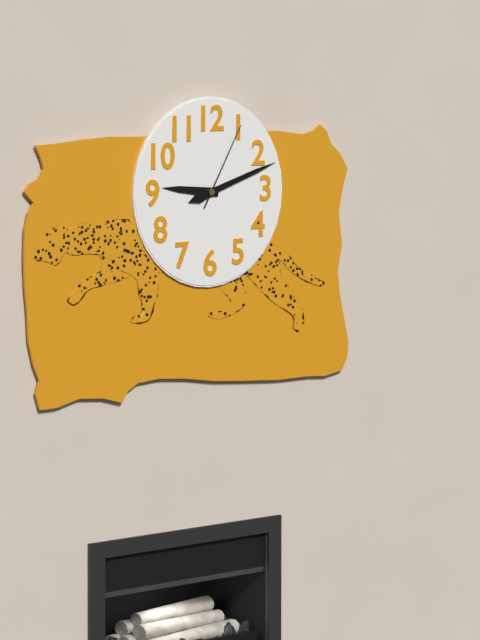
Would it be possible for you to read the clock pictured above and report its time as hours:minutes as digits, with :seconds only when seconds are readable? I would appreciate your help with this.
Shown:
9:12:05
